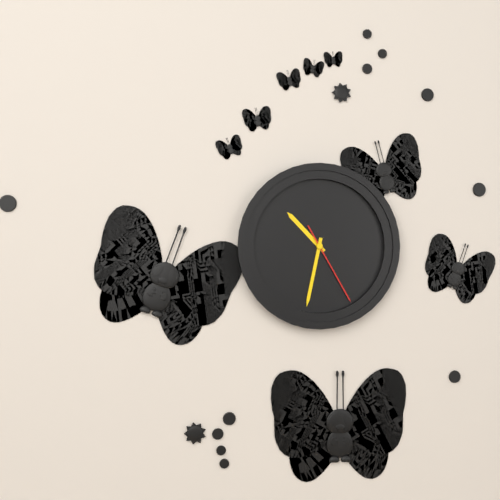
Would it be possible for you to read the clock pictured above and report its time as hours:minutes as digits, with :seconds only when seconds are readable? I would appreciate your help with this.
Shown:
10:32:25
